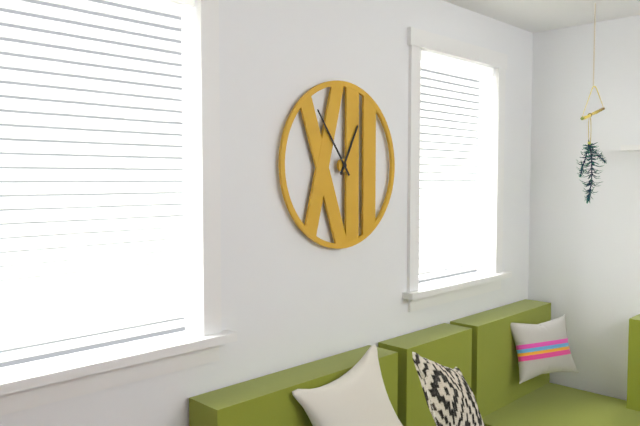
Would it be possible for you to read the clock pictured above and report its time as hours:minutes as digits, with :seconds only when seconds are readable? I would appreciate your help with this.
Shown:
12:54
